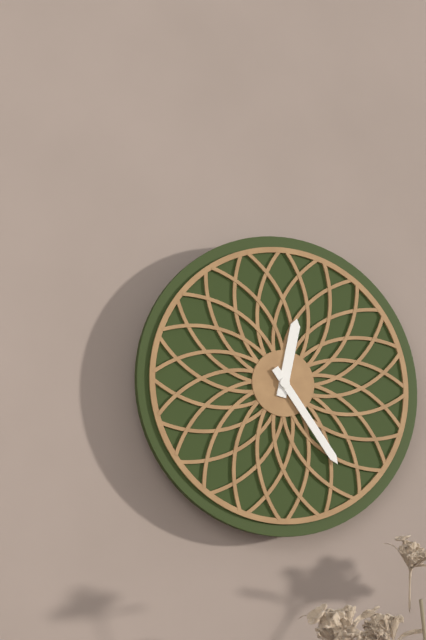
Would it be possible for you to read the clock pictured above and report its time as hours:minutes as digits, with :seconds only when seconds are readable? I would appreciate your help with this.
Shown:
12:24
